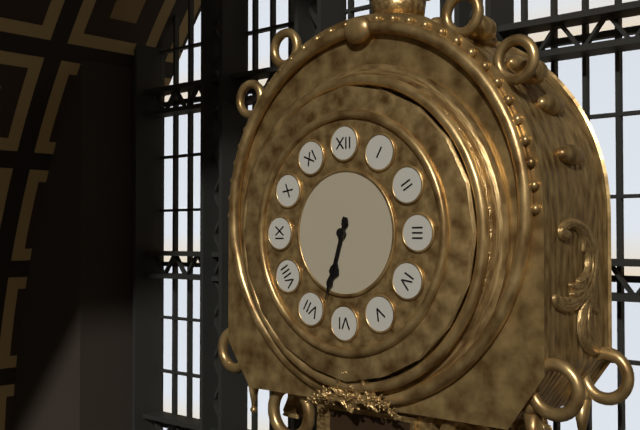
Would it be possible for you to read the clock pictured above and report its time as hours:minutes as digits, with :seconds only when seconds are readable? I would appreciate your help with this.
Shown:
6:33
